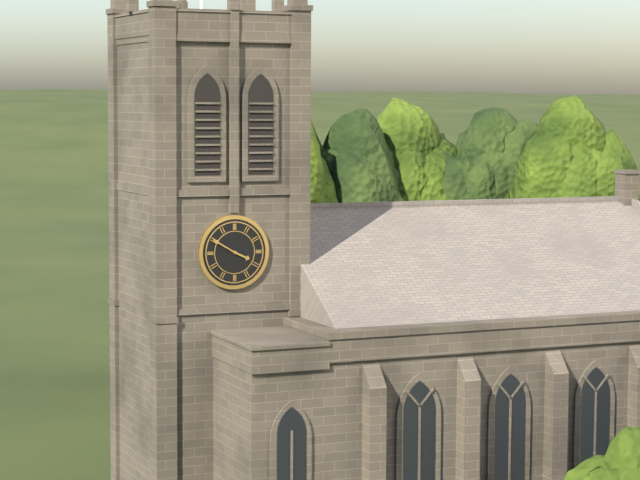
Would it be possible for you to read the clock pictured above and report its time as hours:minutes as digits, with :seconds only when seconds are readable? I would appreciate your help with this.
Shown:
3:50
